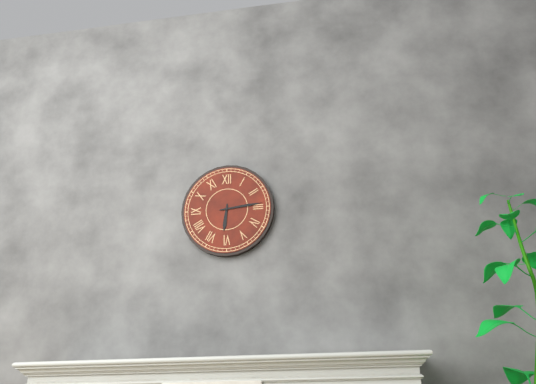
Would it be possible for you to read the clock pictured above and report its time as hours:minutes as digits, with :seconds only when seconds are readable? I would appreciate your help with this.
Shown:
6:14
